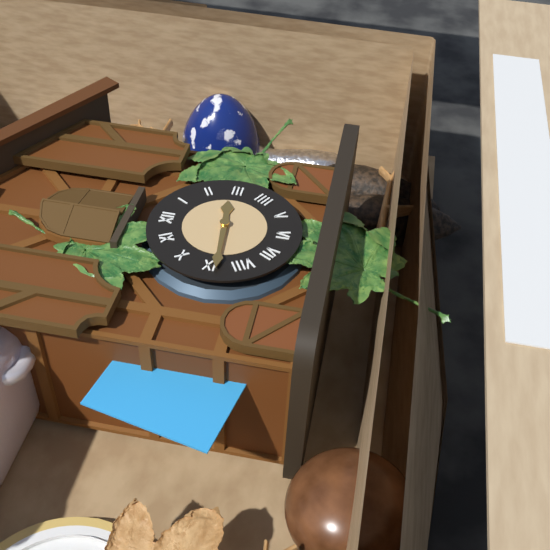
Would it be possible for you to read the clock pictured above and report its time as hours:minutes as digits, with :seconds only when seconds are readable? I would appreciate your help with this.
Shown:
2:44
